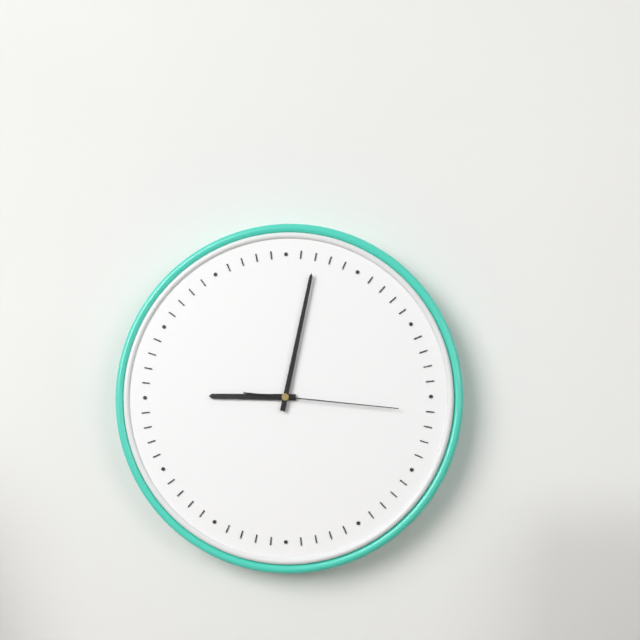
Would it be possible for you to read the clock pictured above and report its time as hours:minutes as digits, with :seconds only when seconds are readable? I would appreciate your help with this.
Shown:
9:02:16
